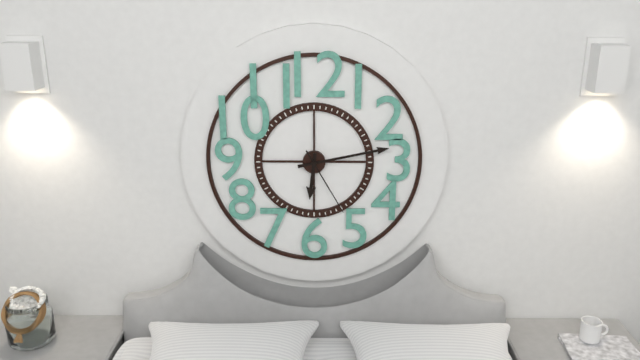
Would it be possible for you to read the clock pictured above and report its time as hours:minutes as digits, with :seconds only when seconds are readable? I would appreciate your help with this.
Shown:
6:13:25
